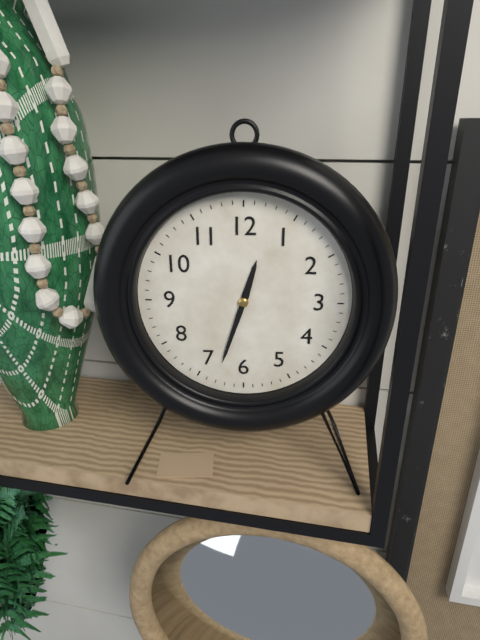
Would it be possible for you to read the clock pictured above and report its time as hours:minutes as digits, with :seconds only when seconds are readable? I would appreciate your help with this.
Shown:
12:33
